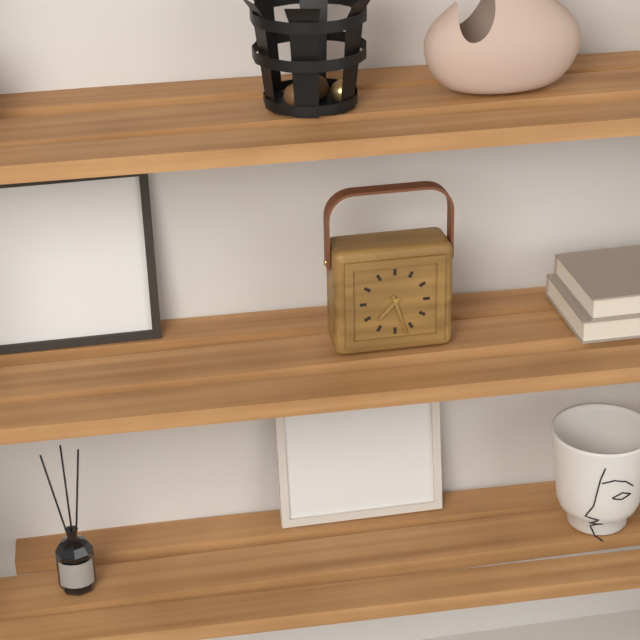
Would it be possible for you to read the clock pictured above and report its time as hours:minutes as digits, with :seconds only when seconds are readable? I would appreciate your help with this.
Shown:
7:27
